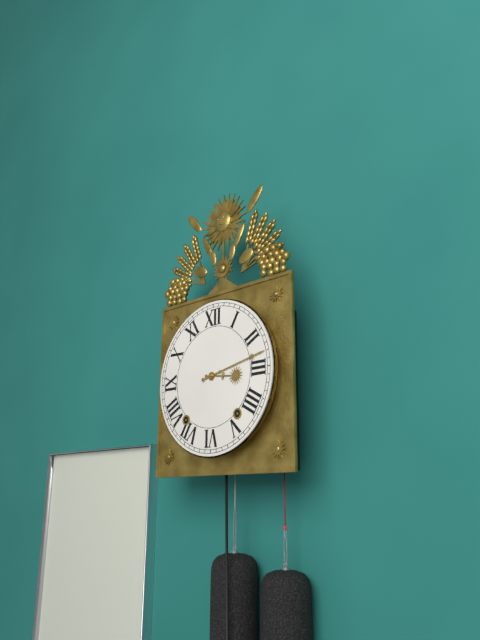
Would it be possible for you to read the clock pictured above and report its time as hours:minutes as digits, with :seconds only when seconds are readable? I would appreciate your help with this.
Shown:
3:13
